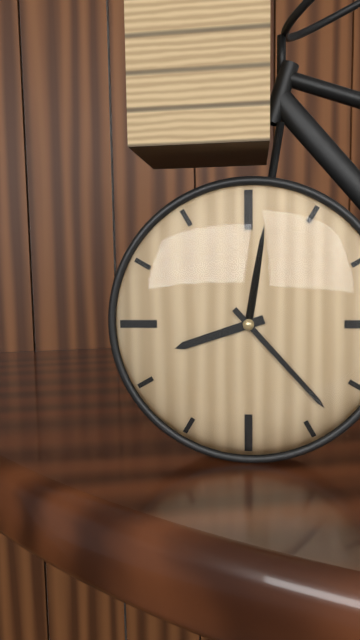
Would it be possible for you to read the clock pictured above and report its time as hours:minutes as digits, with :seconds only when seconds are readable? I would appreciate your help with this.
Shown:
8:23
